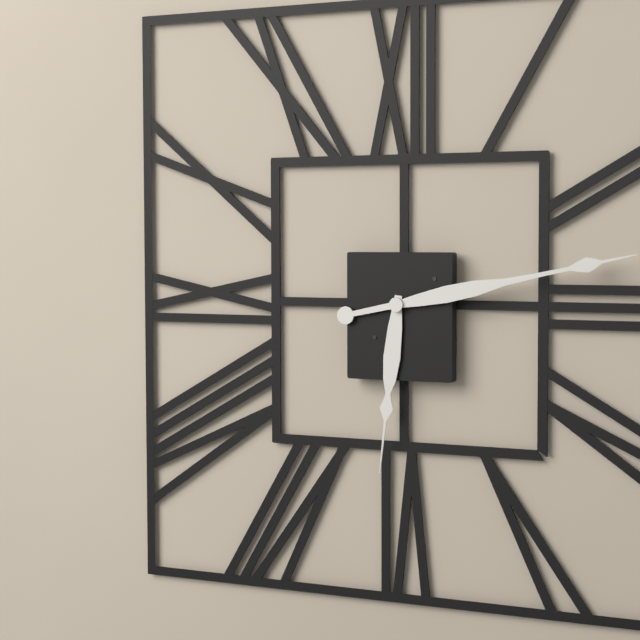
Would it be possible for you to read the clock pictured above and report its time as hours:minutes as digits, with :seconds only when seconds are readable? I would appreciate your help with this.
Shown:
6:13
